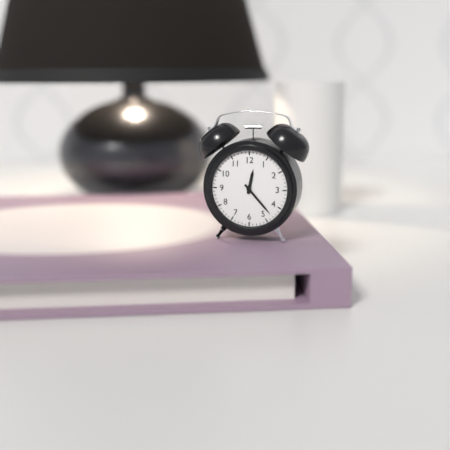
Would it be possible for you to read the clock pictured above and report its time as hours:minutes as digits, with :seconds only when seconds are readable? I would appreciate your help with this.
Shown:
12:23
